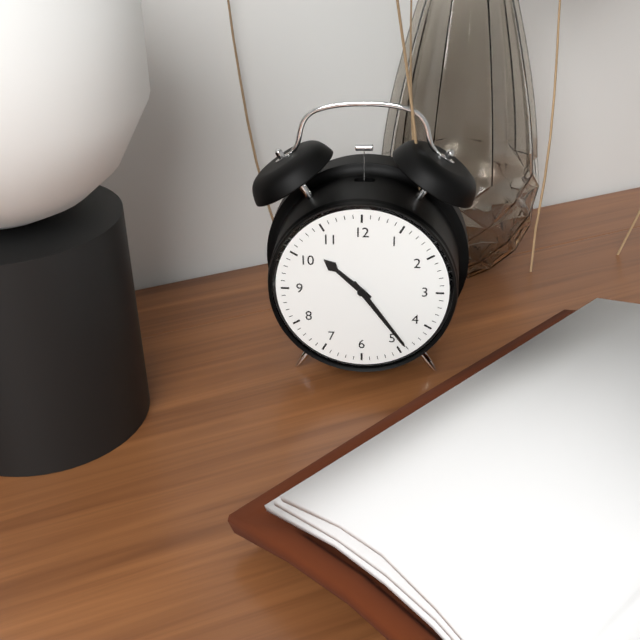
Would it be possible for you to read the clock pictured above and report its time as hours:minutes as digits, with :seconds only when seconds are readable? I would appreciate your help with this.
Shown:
10:24
